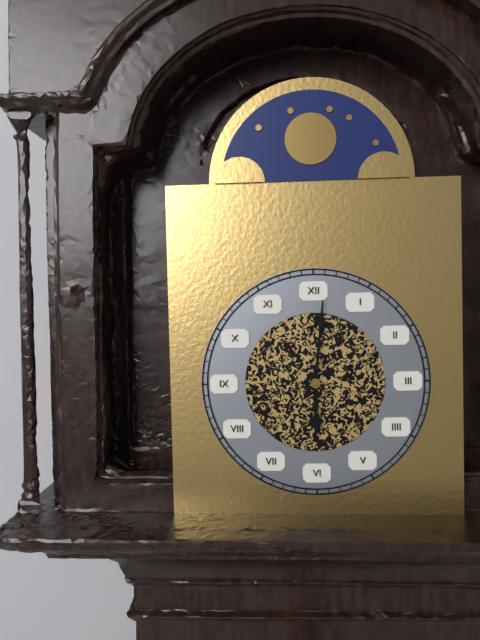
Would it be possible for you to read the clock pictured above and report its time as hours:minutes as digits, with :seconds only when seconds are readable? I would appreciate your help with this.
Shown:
6:01
